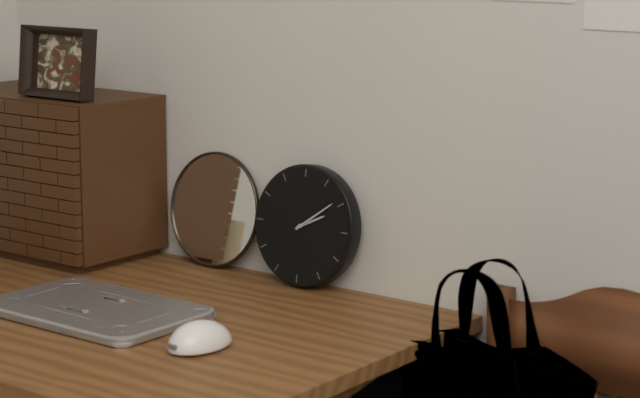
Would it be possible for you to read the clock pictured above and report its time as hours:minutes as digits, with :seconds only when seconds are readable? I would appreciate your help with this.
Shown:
2:09
